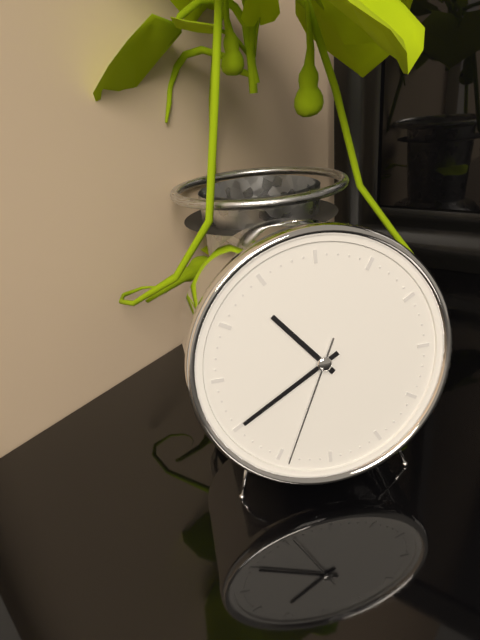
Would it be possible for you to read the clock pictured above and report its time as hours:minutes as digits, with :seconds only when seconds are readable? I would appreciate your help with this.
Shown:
10:40:34
